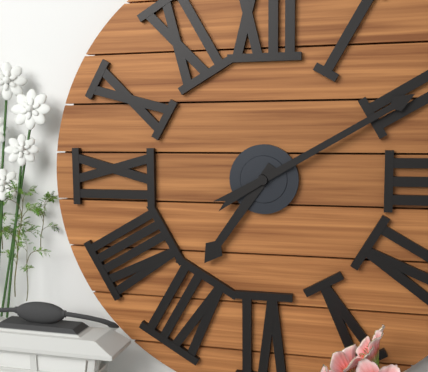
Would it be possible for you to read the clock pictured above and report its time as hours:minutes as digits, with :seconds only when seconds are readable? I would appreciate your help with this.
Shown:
7:10
